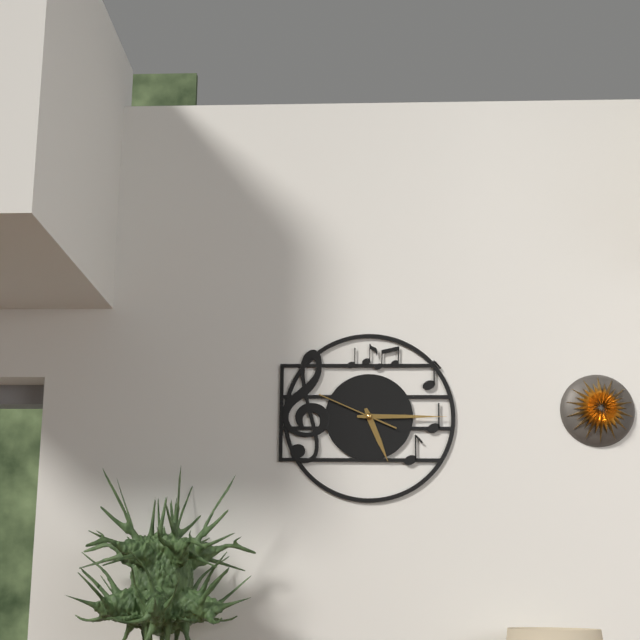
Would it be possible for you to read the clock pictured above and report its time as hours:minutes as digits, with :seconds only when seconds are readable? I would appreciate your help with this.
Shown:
5:15:49
